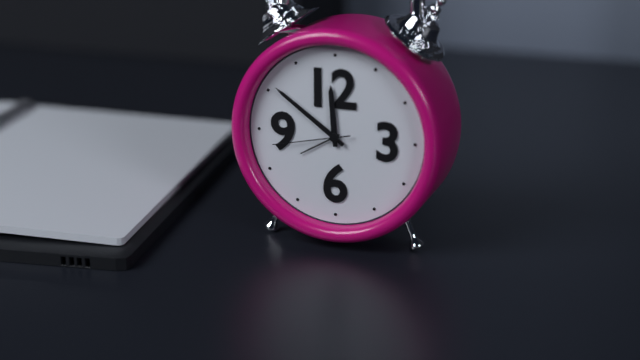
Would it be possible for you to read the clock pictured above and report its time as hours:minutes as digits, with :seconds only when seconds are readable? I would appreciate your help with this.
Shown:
11:51:43
